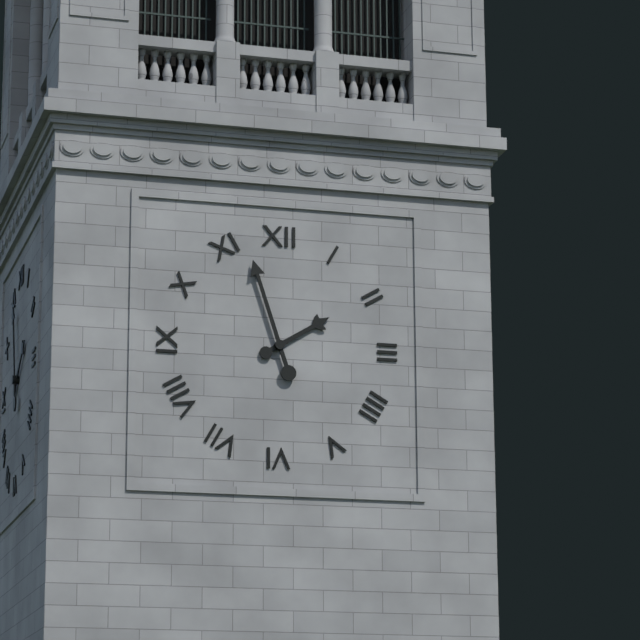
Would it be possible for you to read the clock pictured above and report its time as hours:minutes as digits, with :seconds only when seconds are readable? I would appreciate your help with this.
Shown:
1:57
